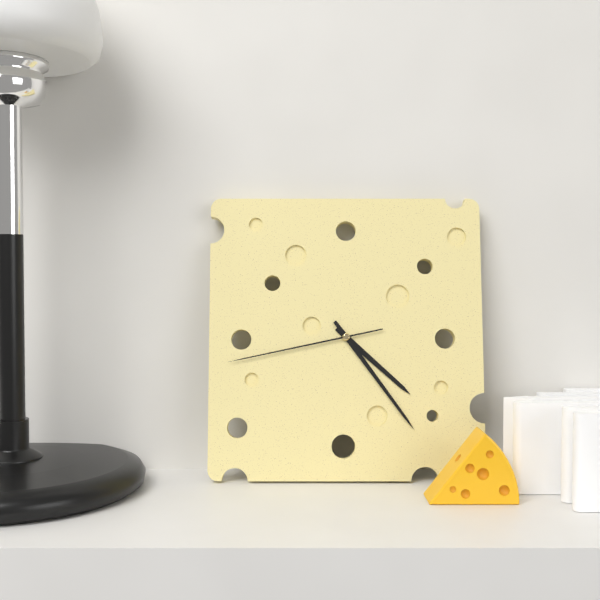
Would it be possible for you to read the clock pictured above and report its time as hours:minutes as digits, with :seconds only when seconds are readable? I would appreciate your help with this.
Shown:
4:24:43
